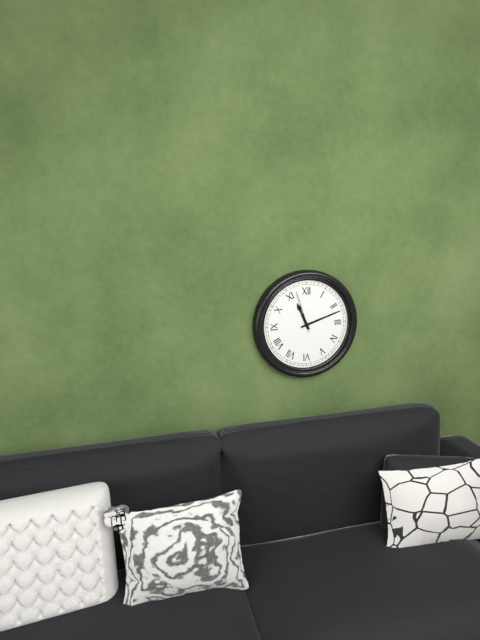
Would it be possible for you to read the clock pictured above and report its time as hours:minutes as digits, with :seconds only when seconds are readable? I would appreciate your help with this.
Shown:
11:12
